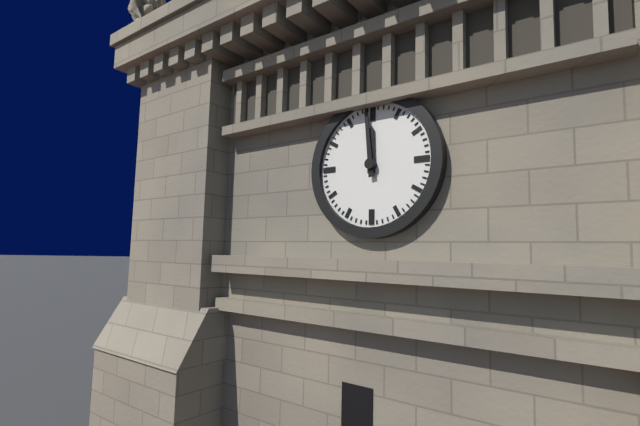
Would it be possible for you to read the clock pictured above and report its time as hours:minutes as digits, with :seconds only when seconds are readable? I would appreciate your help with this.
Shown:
11:59
